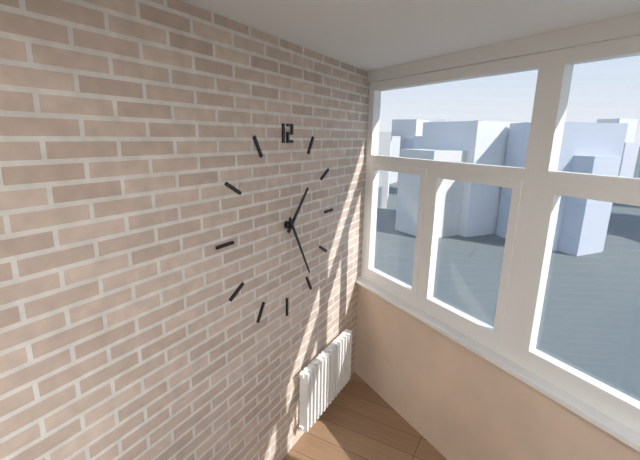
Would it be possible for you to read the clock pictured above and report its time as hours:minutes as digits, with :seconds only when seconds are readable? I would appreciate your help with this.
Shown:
1:25
